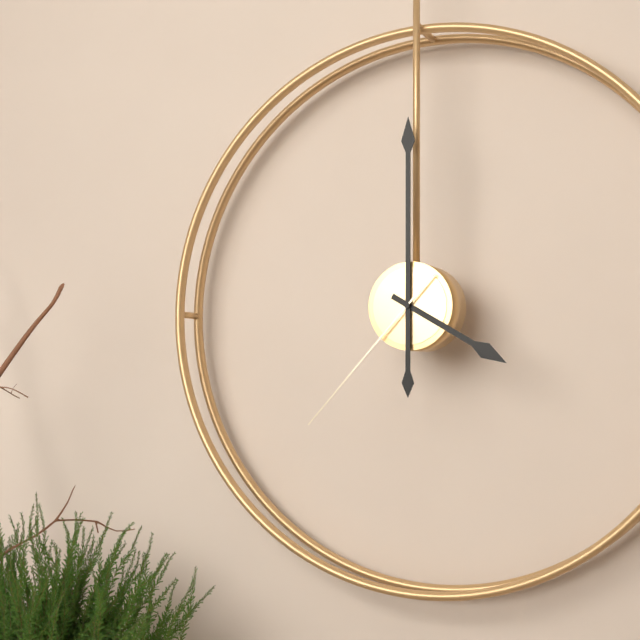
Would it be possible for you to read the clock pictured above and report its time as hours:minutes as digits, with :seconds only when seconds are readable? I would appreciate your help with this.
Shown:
4:00:37
